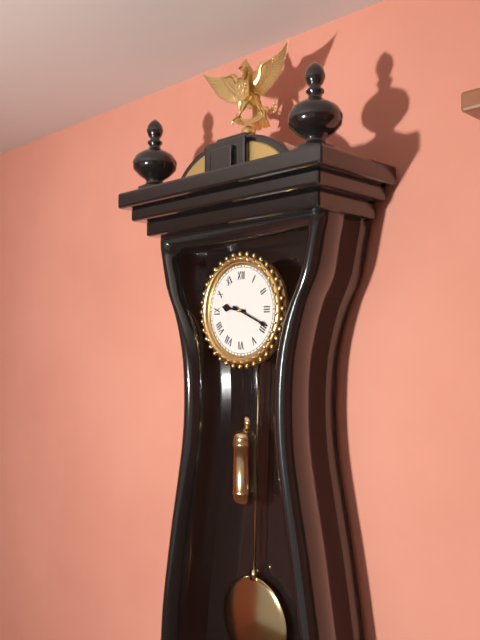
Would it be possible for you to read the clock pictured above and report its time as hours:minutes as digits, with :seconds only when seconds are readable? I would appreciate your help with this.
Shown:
9:19
